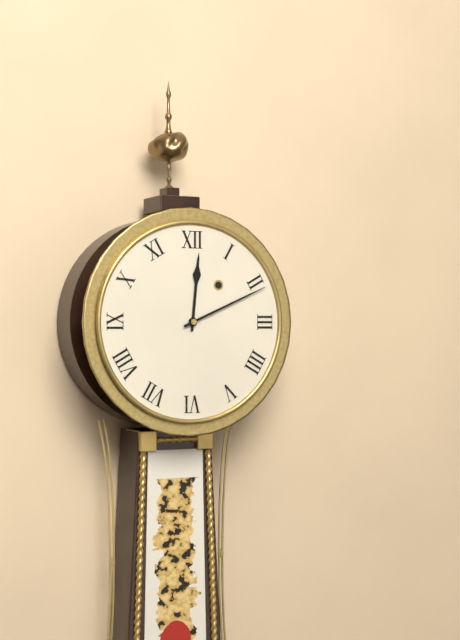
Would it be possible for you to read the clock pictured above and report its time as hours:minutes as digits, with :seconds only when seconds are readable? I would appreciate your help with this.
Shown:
12:11
